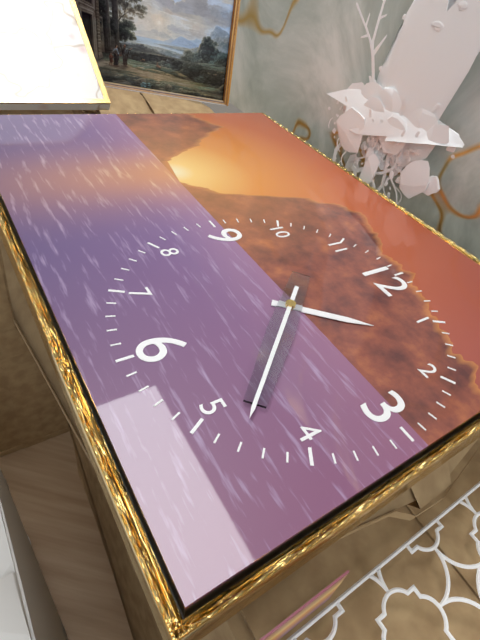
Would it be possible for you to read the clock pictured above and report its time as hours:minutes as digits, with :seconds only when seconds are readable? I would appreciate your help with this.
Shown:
1:23
